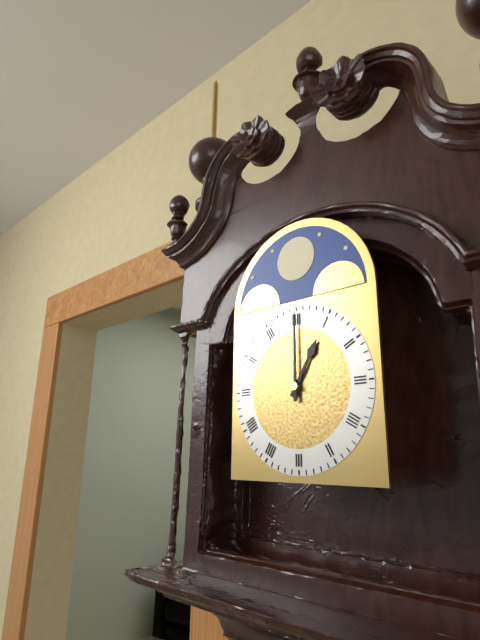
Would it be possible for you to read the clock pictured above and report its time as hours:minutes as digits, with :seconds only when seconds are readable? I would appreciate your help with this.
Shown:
1:00
